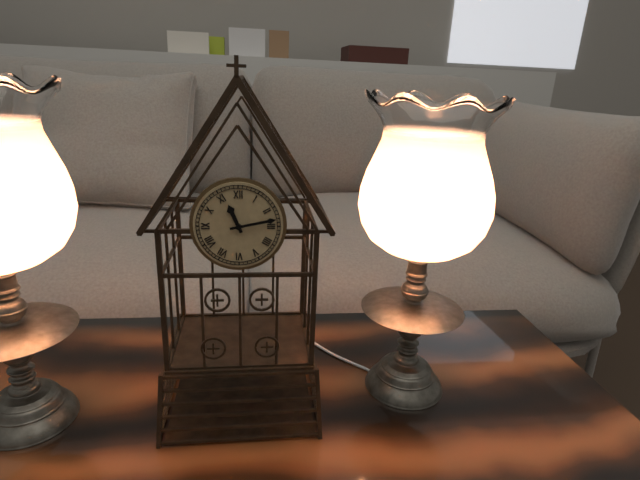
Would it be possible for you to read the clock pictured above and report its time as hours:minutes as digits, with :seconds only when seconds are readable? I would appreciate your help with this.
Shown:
11:13
